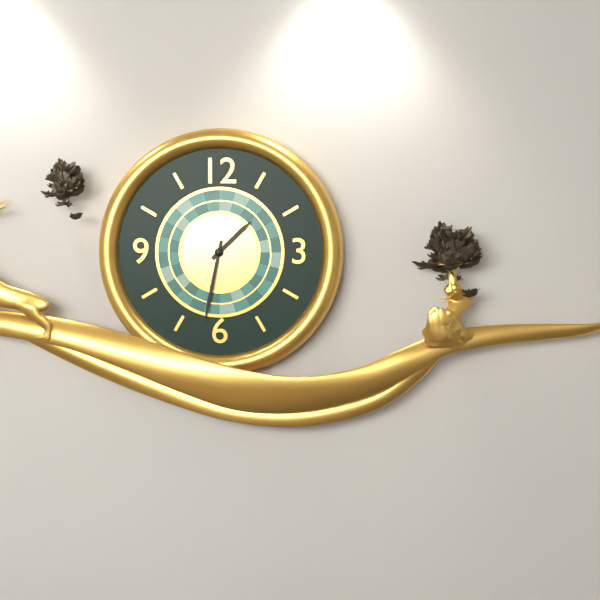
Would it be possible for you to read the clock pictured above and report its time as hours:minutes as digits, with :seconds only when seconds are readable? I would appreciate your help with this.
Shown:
1:32
